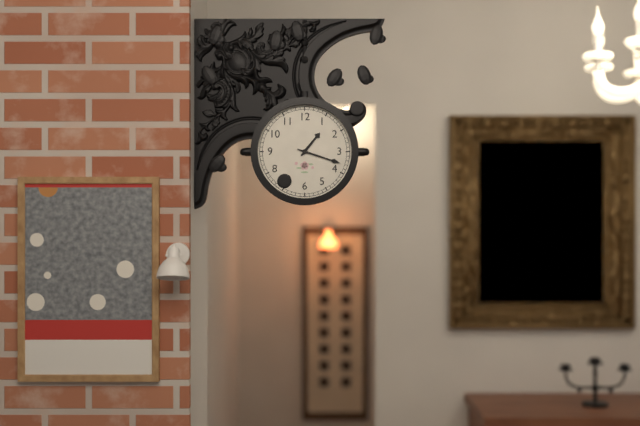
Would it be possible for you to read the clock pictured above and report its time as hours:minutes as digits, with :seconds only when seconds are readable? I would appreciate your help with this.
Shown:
1:18
